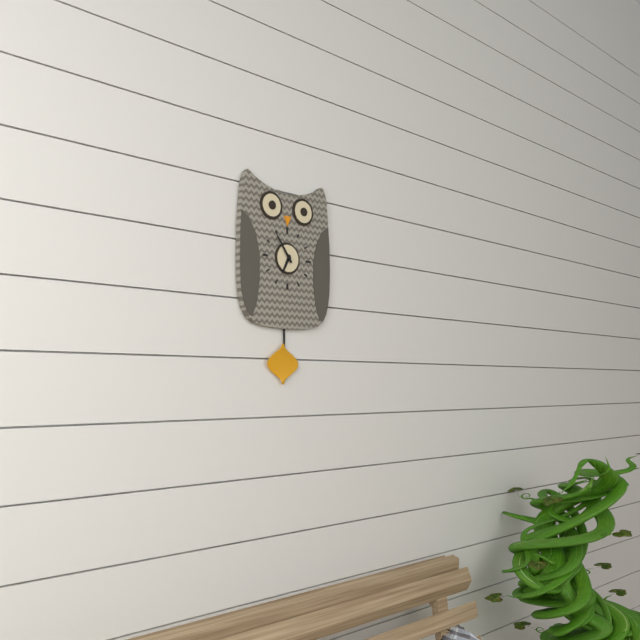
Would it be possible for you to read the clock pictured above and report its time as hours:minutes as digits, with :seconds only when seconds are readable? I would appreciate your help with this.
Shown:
6:54
